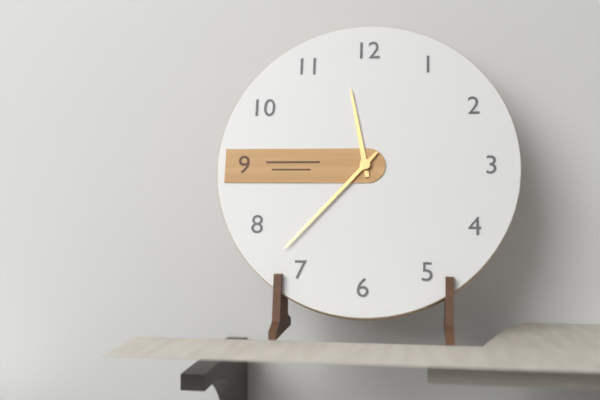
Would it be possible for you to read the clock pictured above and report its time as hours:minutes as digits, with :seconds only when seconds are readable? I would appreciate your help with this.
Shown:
11:37
